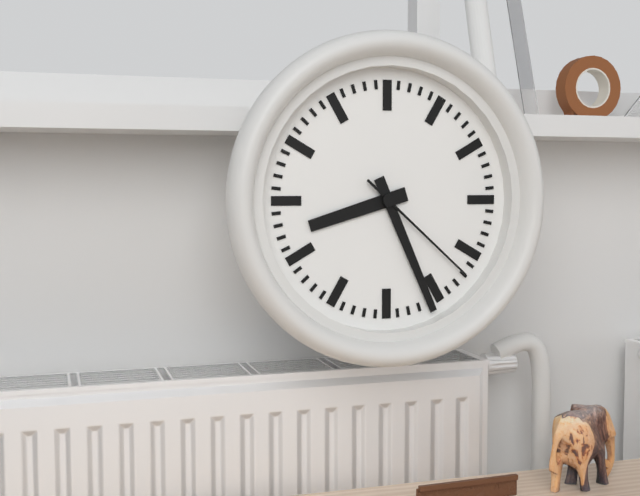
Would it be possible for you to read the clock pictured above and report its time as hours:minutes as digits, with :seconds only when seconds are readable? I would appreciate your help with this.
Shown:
8:26:22
